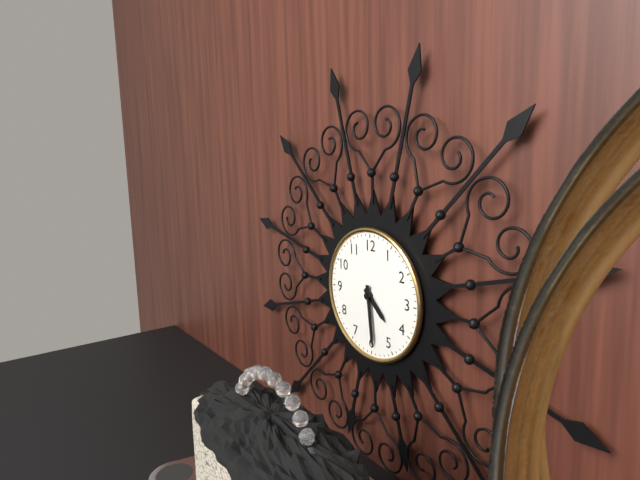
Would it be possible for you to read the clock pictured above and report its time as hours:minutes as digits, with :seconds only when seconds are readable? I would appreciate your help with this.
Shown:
4:29
